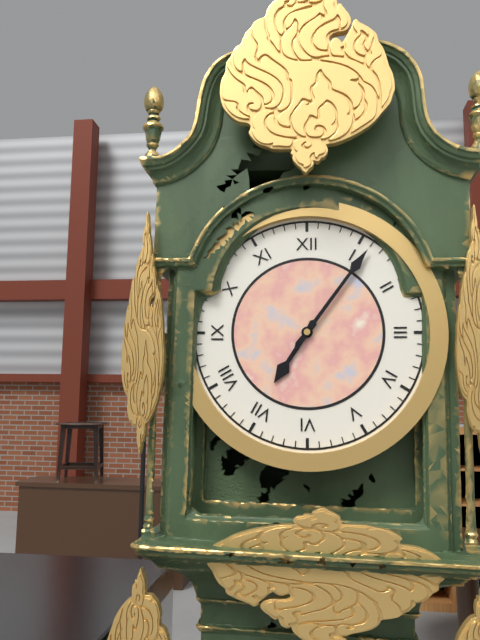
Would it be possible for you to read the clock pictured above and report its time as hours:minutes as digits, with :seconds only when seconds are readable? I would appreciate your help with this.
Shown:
7:06
